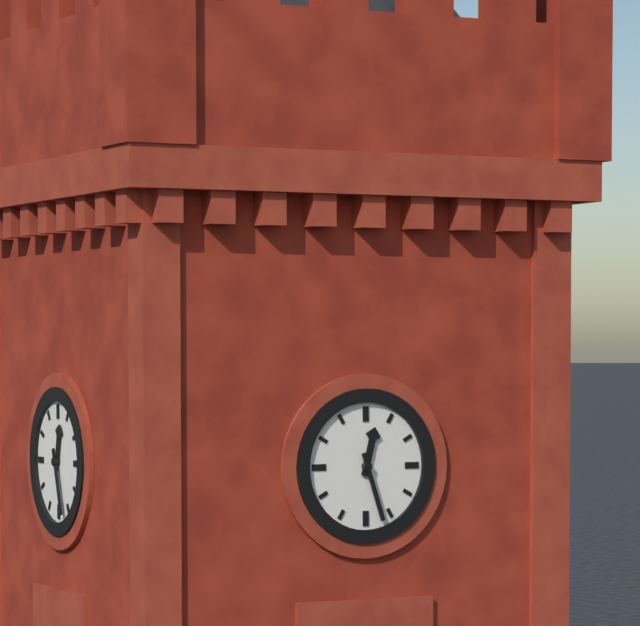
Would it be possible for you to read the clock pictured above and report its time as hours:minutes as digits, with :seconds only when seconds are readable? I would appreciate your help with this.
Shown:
12:27
